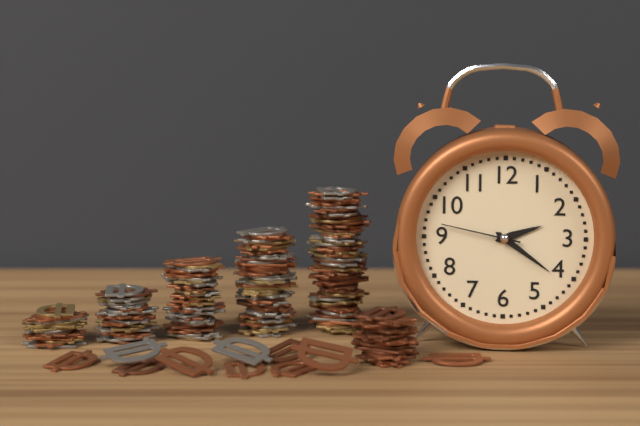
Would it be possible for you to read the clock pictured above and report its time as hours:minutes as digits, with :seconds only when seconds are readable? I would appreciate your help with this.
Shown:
2:21:47
